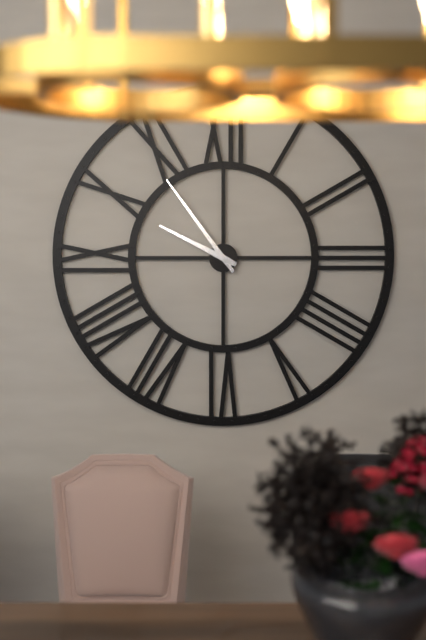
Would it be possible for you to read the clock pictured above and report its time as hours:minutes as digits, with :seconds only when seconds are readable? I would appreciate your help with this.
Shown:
9:54
